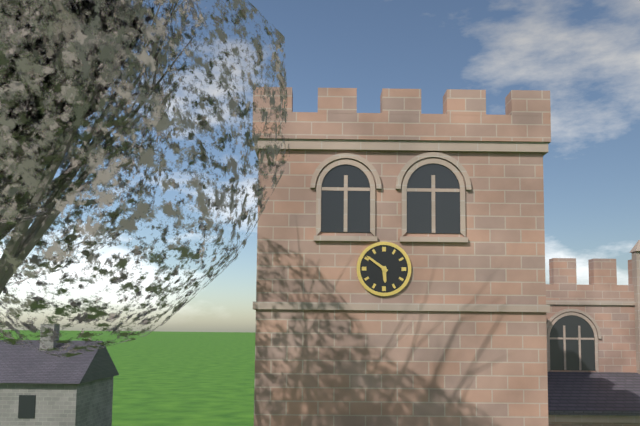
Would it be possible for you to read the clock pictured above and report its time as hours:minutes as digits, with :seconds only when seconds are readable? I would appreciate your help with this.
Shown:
5:51
